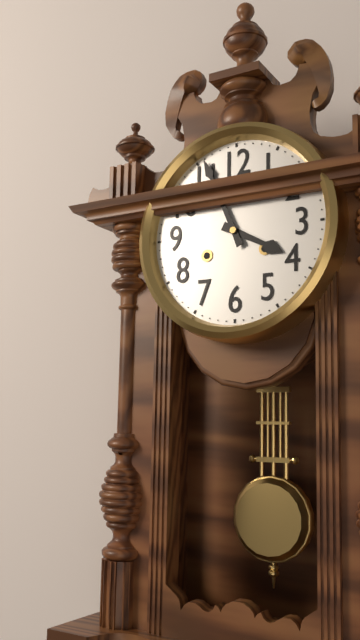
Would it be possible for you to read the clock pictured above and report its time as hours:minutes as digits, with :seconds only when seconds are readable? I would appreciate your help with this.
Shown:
3:56
